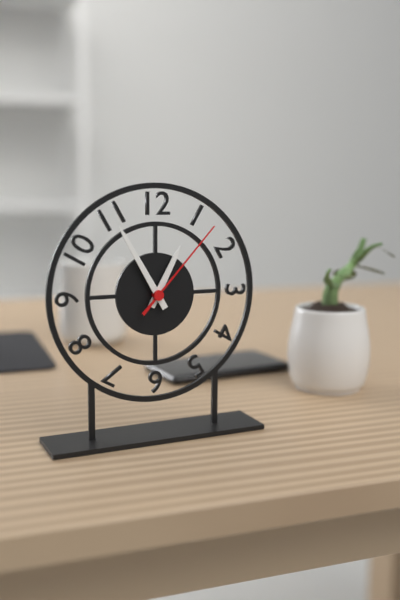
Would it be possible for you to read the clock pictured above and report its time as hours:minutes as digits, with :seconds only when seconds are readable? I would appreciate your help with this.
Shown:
12:55:07
